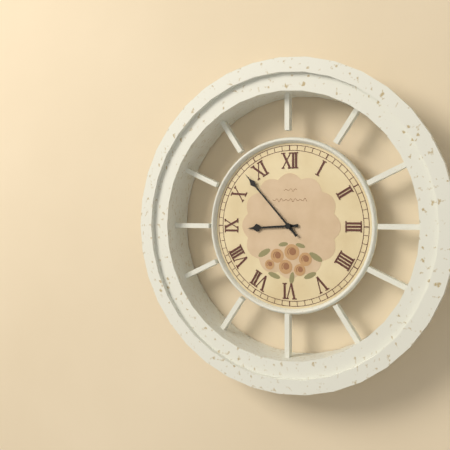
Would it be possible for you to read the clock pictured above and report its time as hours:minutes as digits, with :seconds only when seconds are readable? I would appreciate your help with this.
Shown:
8:53
